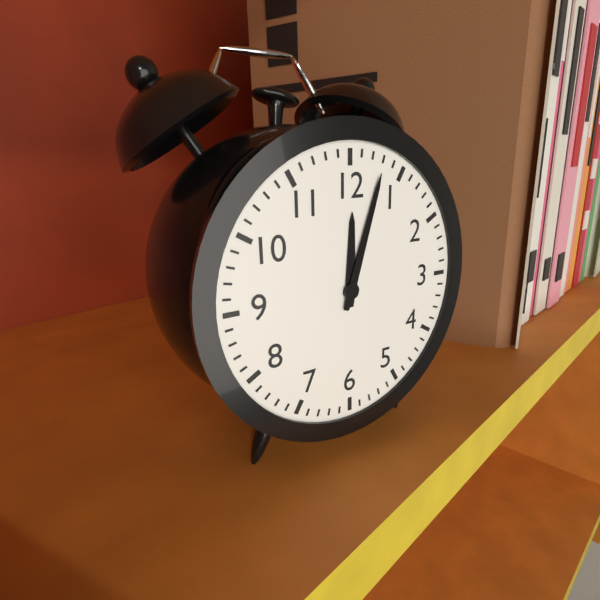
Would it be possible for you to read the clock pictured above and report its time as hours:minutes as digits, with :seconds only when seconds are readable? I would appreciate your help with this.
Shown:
12:03
